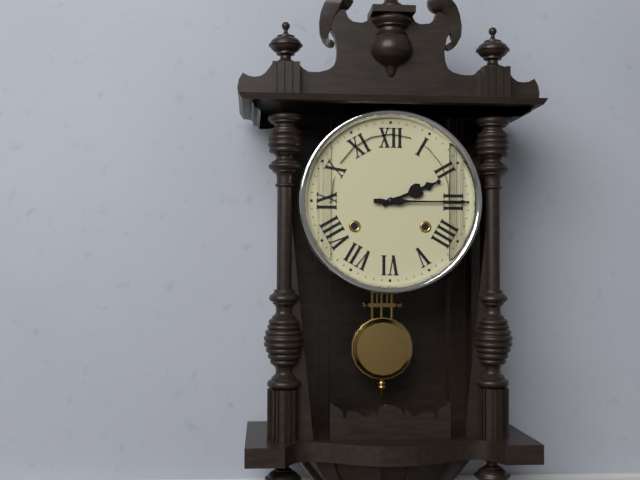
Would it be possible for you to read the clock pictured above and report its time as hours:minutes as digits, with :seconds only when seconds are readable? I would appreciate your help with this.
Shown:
2:15
